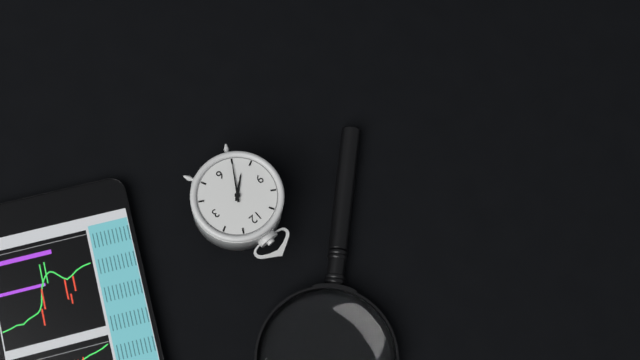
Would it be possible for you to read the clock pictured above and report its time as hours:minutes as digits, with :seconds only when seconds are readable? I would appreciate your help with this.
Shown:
7:35
